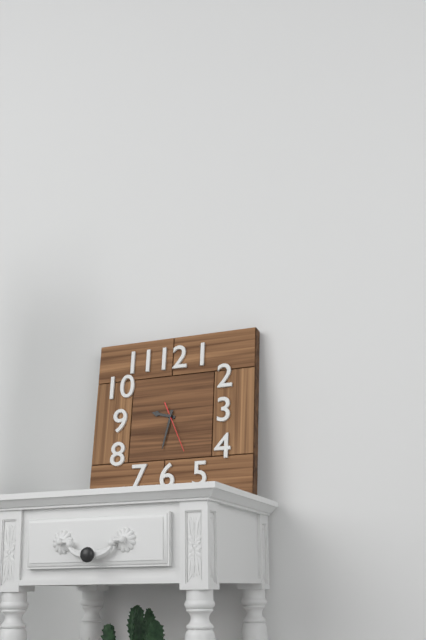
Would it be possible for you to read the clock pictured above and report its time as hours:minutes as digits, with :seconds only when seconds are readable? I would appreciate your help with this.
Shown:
9:32
